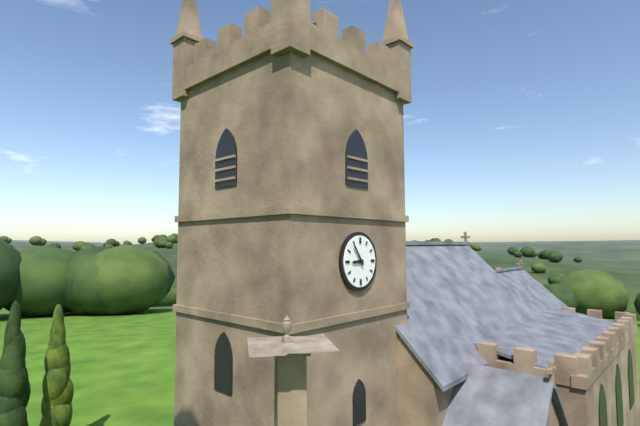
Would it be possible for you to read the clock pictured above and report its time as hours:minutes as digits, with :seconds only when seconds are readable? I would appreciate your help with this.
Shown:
8:54
